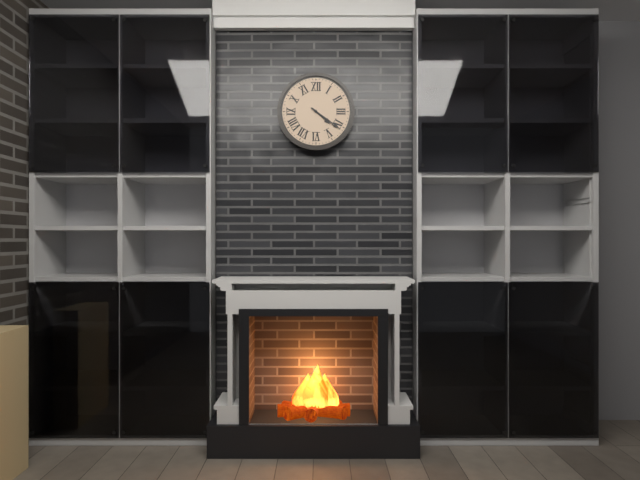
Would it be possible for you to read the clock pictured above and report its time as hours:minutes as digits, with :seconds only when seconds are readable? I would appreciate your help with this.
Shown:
4:21
